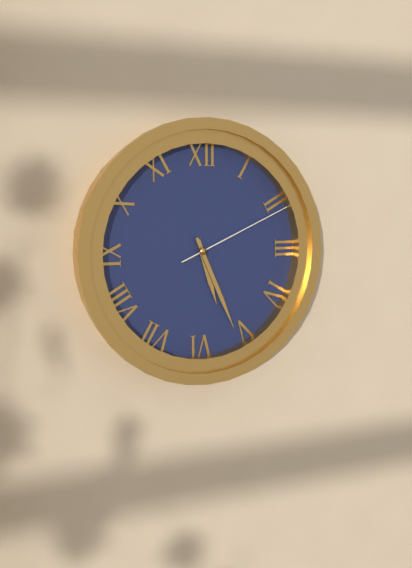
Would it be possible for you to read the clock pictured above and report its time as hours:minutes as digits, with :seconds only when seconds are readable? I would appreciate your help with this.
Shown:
5:26:11
